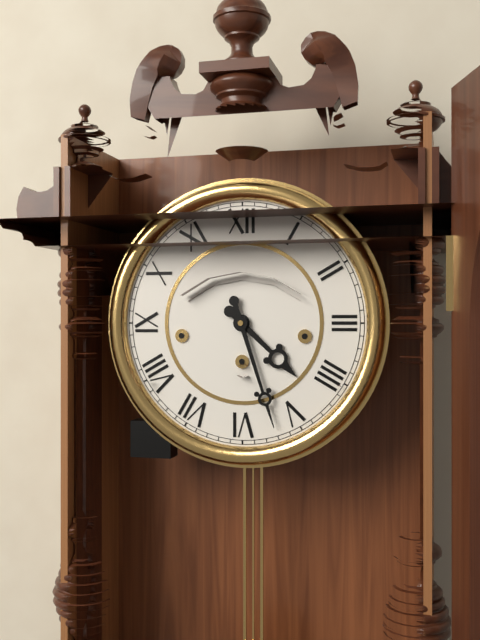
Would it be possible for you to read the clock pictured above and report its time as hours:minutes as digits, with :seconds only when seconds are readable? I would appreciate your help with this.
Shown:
4:27
